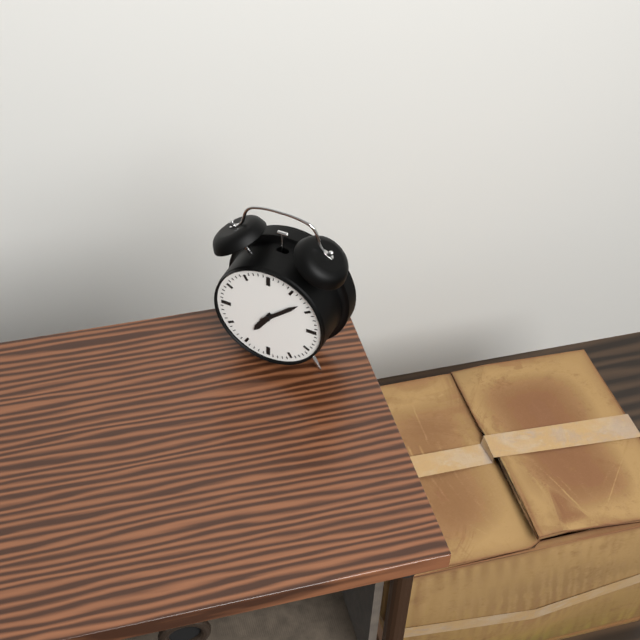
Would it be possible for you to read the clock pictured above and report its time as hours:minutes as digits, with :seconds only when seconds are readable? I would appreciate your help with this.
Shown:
7:08
